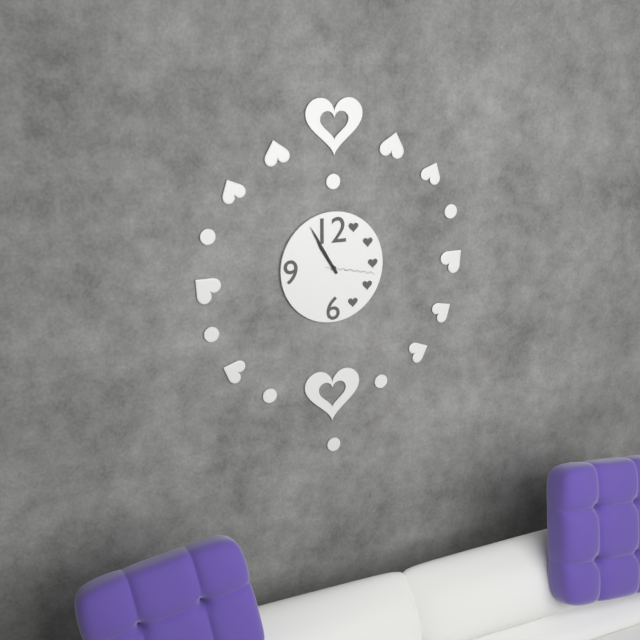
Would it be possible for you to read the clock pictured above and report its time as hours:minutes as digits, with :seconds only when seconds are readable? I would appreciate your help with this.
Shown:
10:55:17
